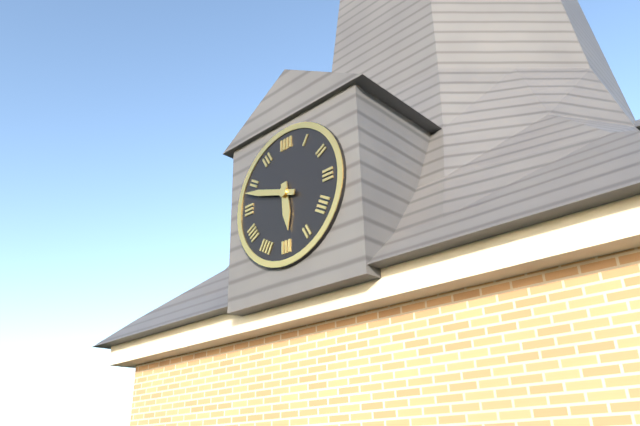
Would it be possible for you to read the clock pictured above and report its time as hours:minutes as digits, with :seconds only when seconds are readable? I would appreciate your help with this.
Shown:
5:48
